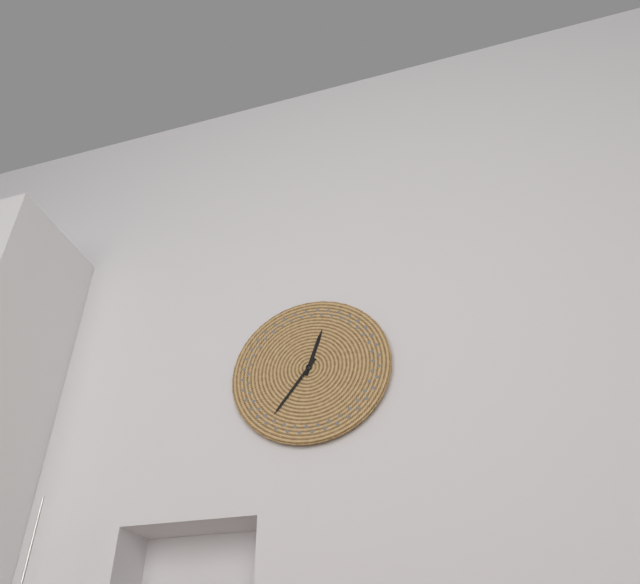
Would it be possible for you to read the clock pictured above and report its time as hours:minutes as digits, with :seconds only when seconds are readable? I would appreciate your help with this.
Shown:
12:36
